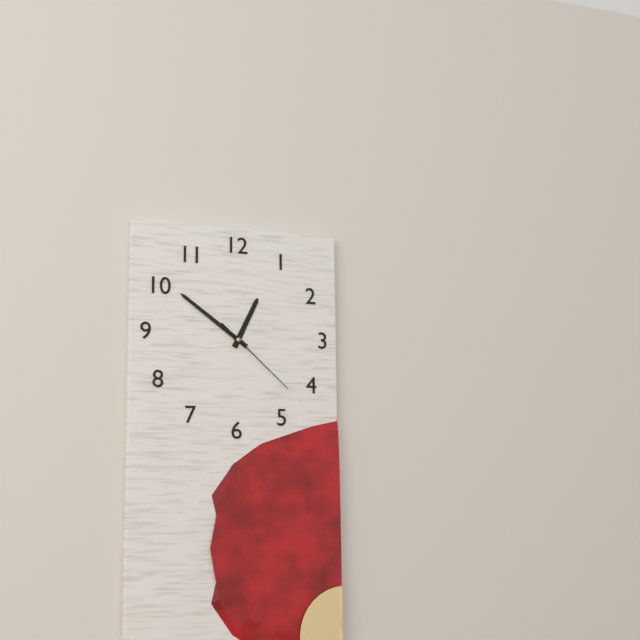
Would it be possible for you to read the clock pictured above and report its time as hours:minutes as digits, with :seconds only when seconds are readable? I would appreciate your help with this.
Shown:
12:51:22
